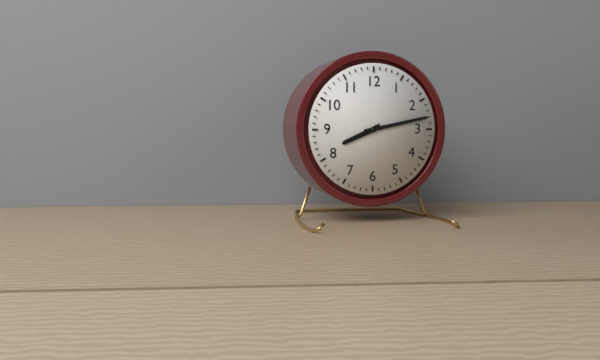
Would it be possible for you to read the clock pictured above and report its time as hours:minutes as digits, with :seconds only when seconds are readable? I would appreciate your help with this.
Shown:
8:13
